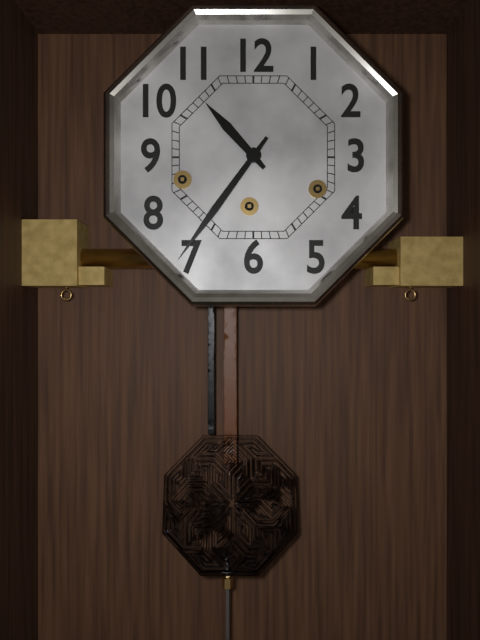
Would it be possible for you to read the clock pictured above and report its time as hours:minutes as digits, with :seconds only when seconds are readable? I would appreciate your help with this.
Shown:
10:36
